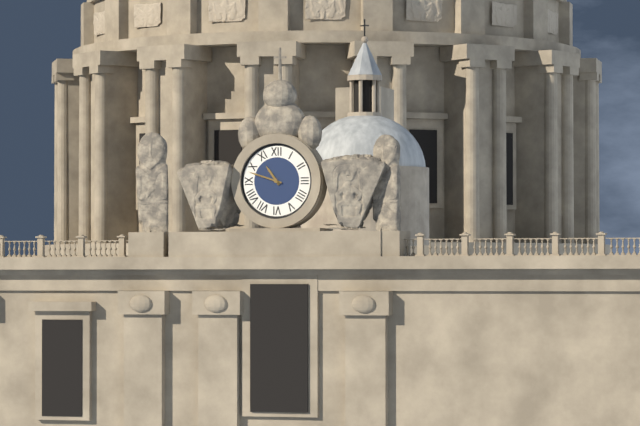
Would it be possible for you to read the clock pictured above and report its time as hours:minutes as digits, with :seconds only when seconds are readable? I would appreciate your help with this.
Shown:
10:48
